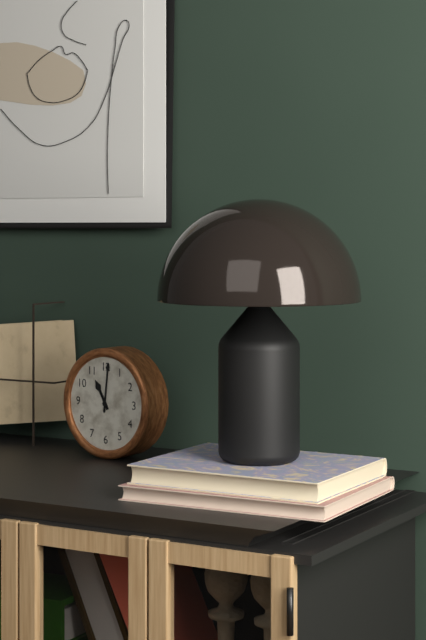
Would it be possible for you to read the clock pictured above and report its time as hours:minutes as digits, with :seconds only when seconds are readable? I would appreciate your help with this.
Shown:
11:01
